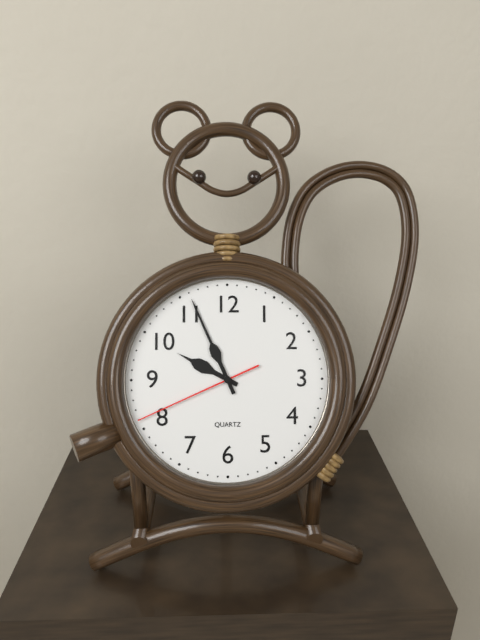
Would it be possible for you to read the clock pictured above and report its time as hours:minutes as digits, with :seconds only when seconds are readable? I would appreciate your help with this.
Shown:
9:56:41
